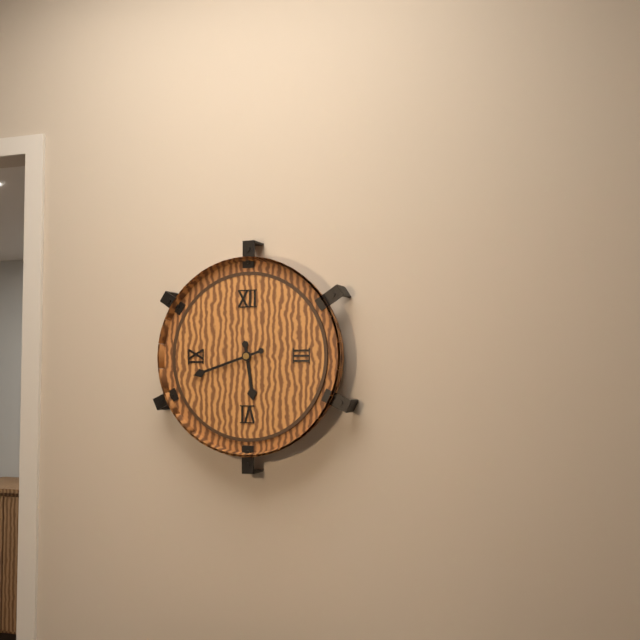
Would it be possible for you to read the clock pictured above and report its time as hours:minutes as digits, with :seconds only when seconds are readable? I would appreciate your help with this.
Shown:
5:42
